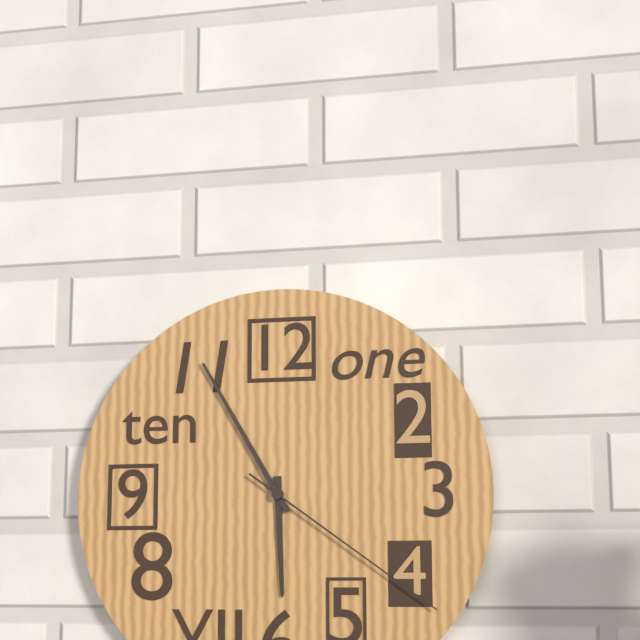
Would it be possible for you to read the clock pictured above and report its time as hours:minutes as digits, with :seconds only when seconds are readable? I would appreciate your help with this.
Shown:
5:55:21
